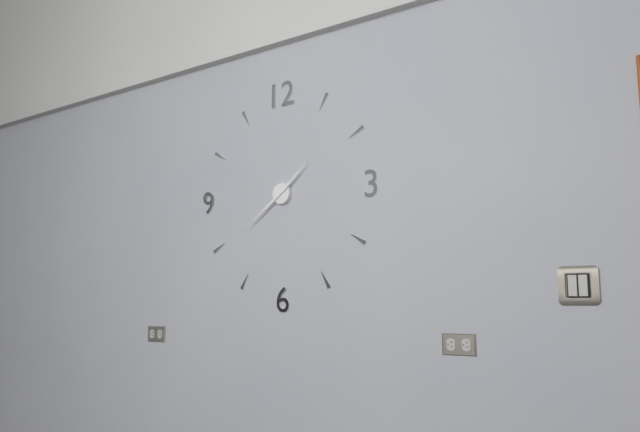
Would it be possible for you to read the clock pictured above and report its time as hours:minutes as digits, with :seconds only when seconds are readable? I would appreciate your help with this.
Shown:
1:39
